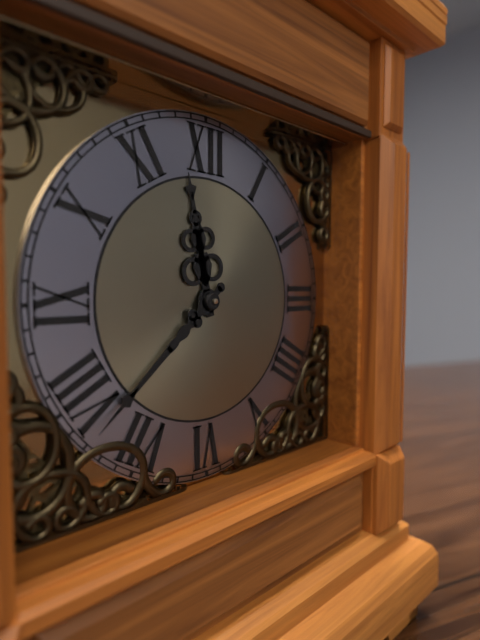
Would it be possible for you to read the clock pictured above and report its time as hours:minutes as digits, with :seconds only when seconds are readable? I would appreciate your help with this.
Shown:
11:38
